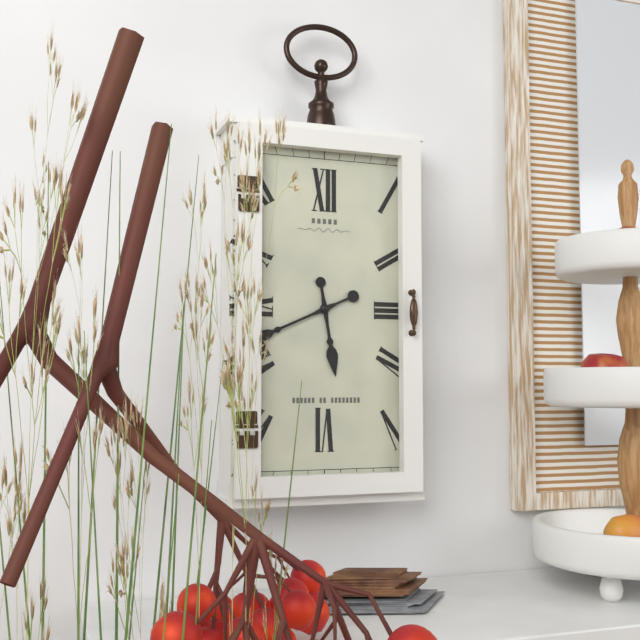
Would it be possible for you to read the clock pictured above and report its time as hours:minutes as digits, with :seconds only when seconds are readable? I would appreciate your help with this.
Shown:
5:41
